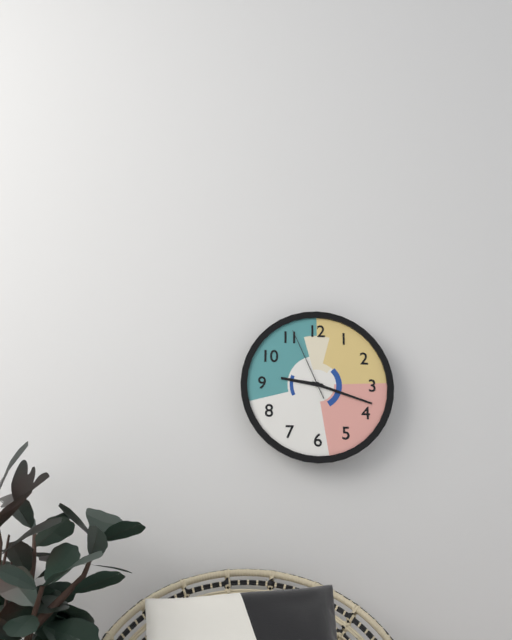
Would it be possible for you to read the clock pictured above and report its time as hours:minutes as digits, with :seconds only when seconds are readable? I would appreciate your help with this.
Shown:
9:18:56
